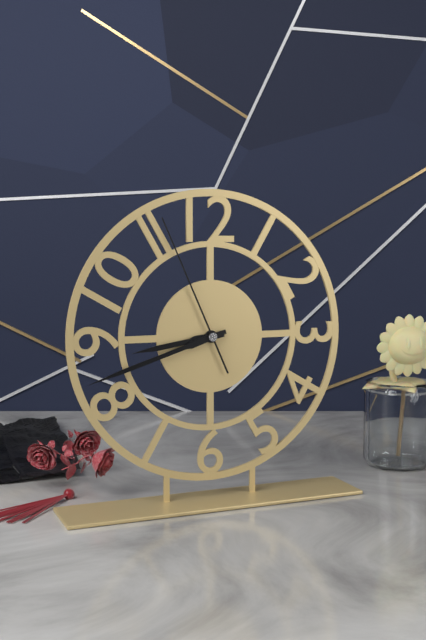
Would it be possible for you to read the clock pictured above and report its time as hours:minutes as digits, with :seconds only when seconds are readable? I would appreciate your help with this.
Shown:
8:42:56
